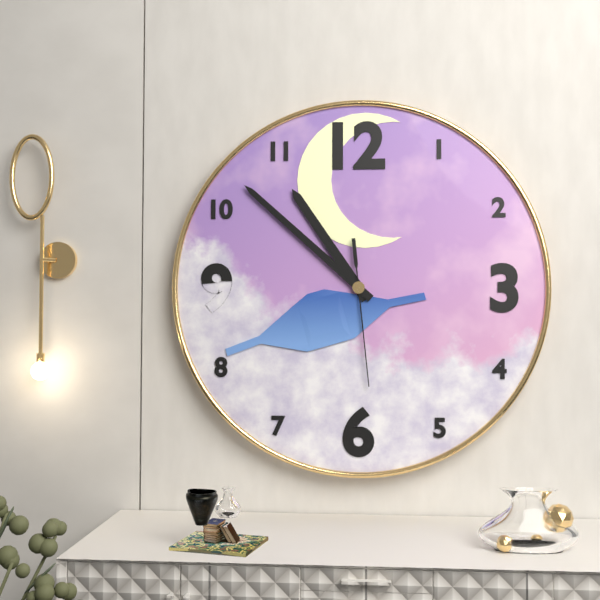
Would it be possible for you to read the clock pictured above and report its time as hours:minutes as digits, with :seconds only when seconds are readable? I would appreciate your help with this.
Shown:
10:52:29
